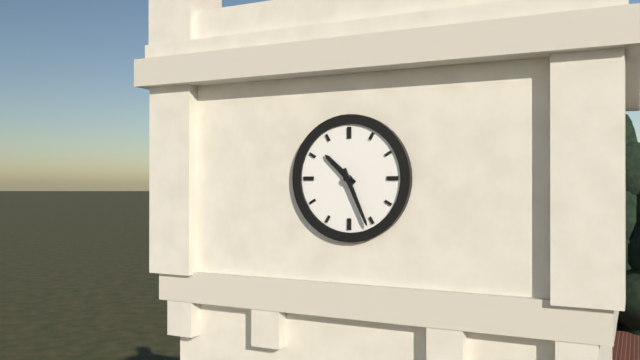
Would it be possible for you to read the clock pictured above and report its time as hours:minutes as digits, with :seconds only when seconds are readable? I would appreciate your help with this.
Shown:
10:26
